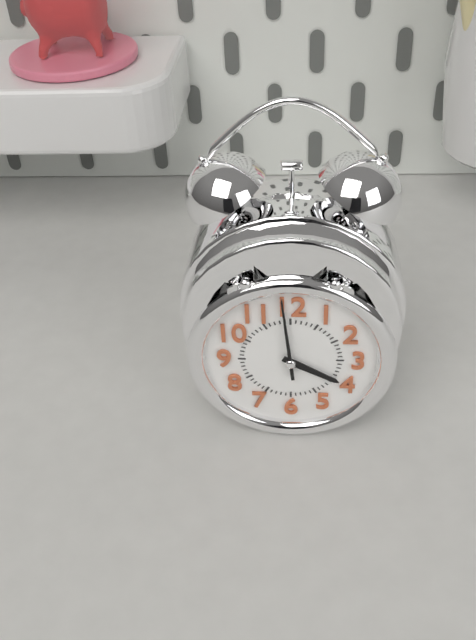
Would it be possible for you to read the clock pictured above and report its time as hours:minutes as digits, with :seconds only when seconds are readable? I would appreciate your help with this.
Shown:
3:59
